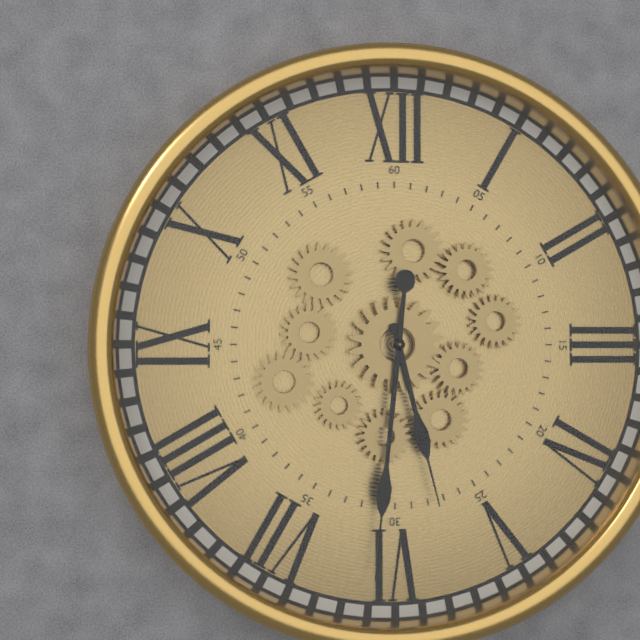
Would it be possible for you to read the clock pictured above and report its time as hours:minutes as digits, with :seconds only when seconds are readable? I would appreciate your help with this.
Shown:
5:31
